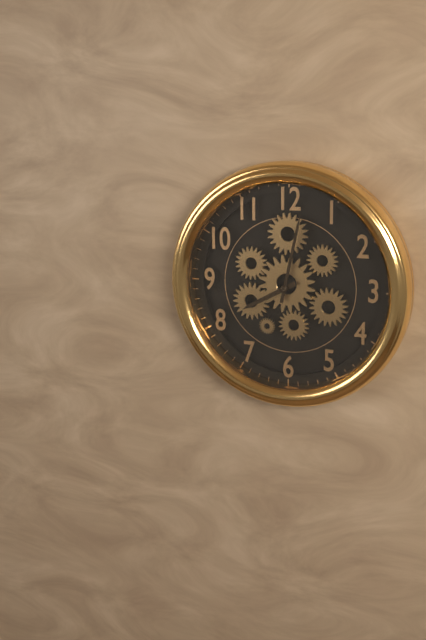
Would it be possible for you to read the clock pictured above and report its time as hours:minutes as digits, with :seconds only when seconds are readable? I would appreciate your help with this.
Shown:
8:02
